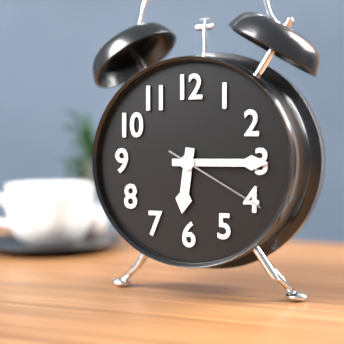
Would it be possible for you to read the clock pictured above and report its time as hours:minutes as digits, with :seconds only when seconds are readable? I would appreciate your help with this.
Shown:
6:15:20
